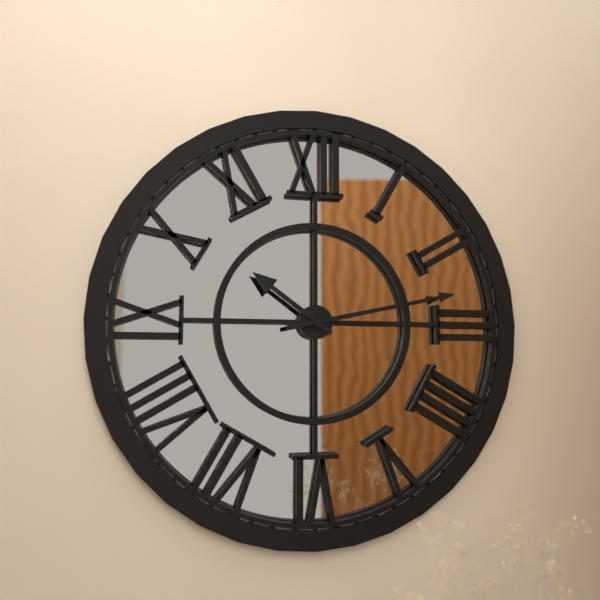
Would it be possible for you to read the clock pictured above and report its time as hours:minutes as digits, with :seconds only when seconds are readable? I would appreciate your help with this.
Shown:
10:13
